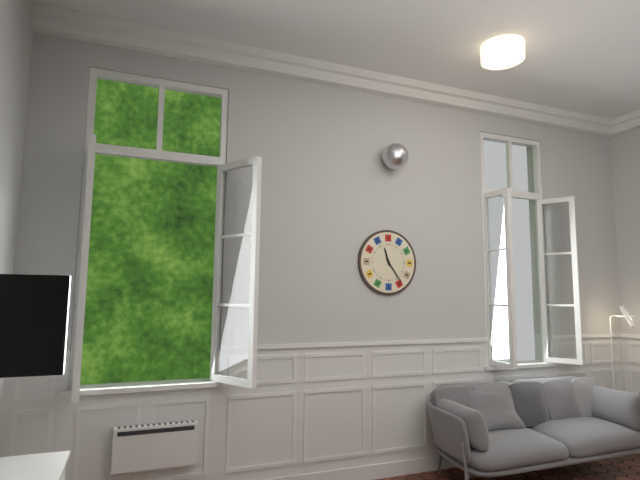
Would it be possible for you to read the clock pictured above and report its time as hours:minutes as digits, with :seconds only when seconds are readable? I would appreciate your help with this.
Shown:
11:24
